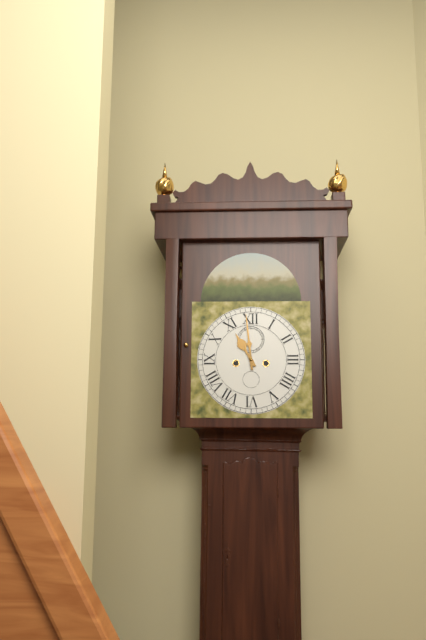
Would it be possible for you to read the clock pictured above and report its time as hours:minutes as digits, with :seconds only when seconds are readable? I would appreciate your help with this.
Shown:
10:59
